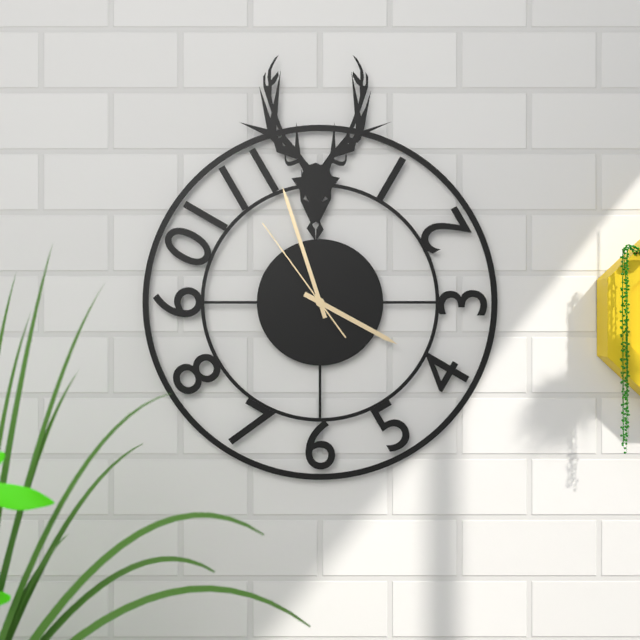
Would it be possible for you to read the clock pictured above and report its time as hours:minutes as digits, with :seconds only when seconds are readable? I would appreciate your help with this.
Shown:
3:57:54
